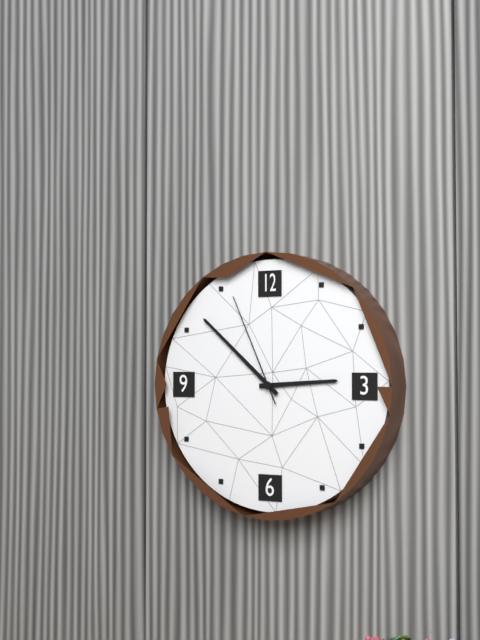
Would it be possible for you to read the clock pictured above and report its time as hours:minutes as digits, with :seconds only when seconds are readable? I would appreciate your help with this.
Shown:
2:52:56
